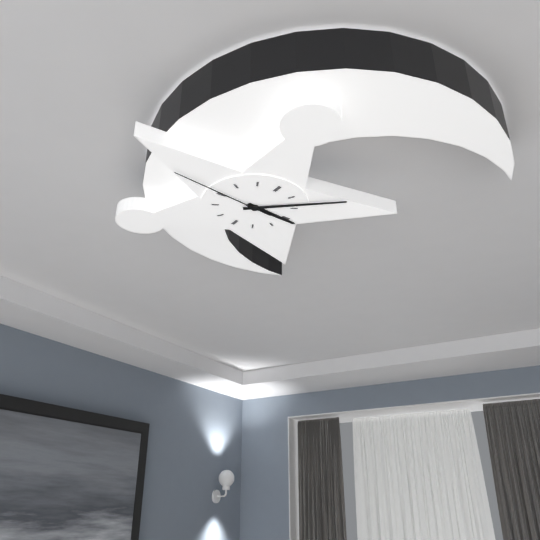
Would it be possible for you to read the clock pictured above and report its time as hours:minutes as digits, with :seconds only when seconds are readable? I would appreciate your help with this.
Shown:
3:08:46
